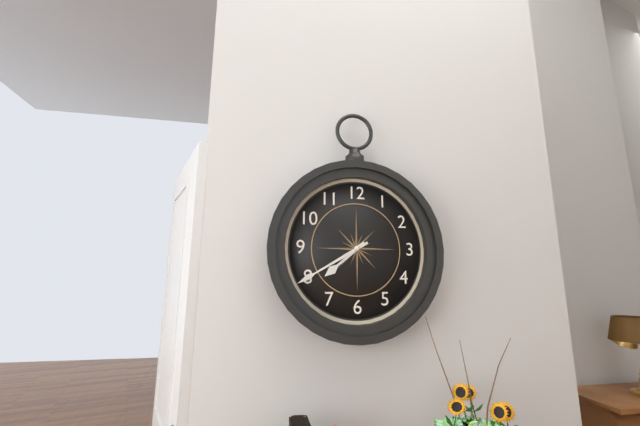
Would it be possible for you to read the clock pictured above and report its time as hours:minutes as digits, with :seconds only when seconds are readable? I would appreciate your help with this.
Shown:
7:40
